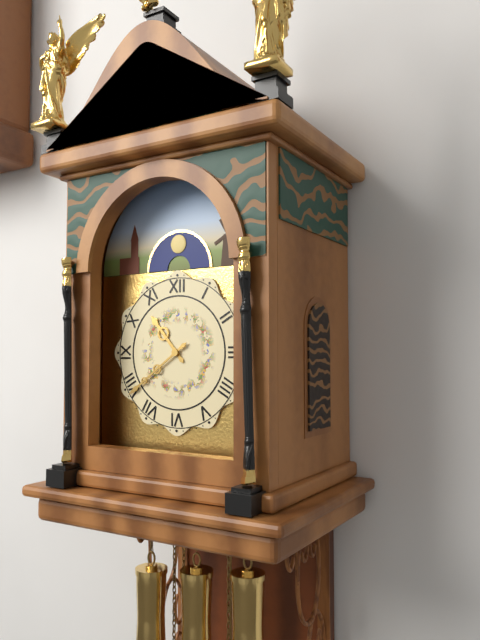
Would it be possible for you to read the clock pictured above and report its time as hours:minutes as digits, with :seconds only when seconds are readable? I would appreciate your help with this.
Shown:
10:39
